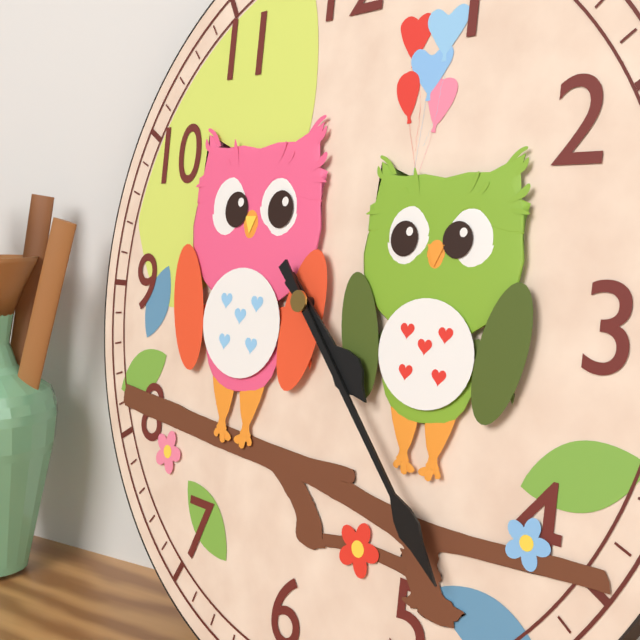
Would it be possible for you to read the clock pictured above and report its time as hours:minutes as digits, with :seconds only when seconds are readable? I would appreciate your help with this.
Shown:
4:23
